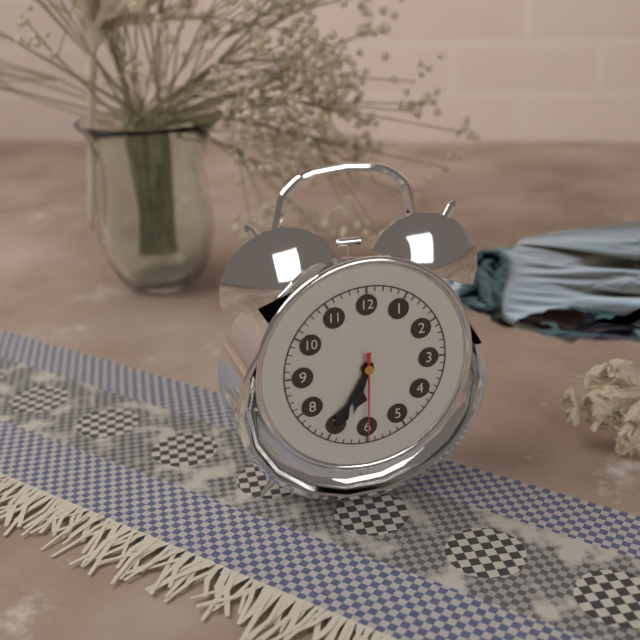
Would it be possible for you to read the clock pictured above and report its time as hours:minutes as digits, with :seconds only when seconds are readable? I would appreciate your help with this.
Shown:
6:35:30
